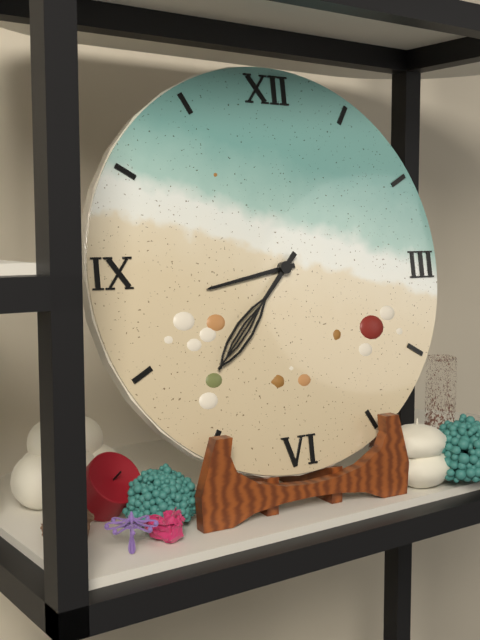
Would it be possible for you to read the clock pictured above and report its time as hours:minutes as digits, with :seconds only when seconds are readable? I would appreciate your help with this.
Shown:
8:37
